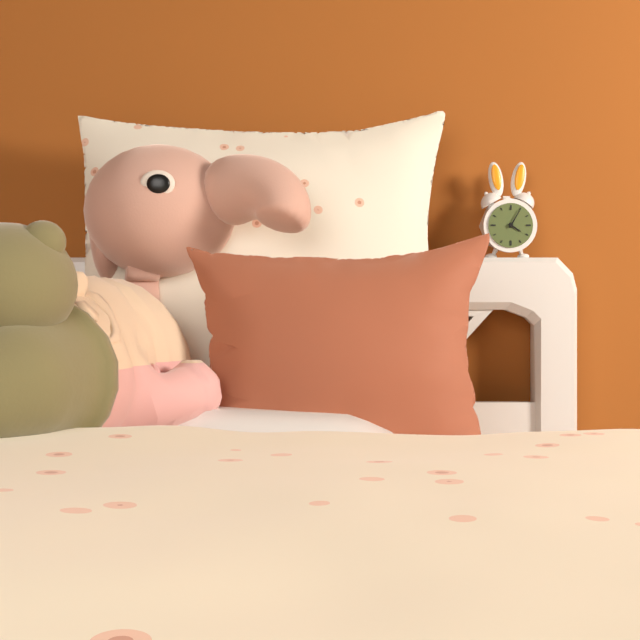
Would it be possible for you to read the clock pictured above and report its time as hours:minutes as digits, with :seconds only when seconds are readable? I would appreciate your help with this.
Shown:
4:05
